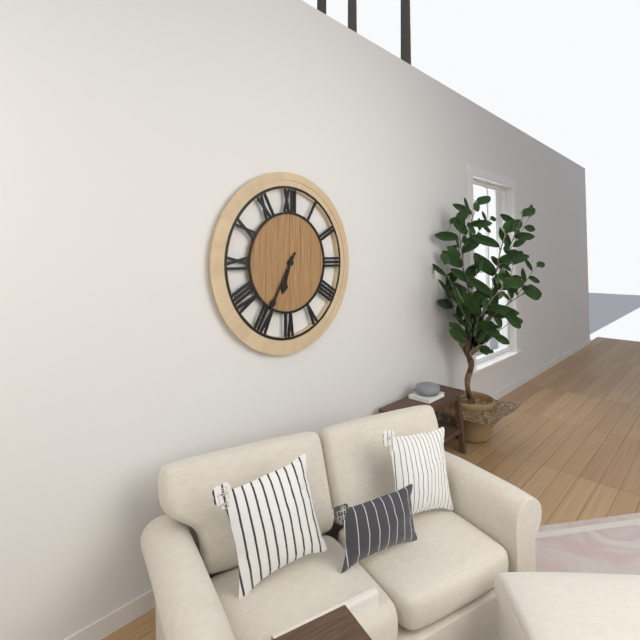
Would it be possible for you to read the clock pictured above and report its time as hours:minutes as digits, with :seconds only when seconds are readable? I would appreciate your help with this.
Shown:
6:35
